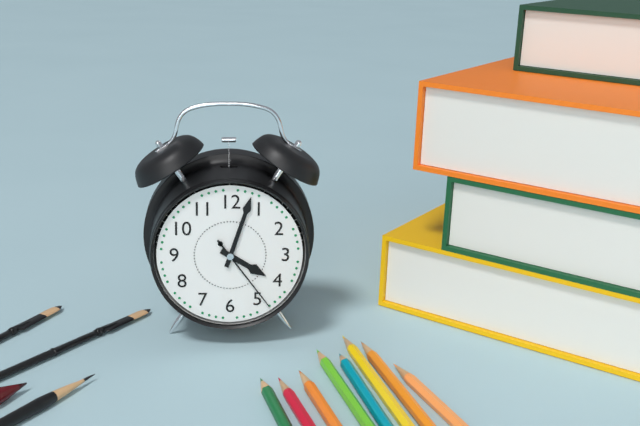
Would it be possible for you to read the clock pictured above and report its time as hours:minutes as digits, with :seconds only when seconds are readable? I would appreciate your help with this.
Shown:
4:03:24
